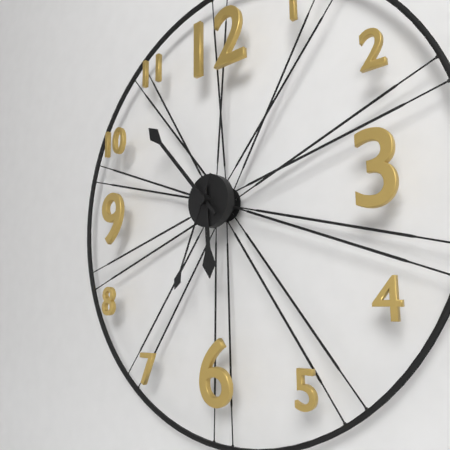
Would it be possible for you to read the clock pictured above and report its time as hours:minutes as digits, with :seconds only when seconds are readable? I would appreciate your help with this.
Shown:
5:53:34
